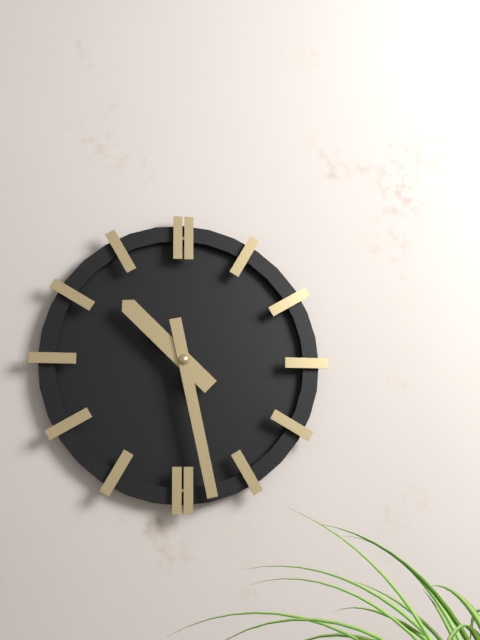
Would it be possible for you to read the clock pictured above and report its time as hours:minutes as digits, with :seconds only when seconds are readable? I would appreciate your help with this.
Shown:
10:28
